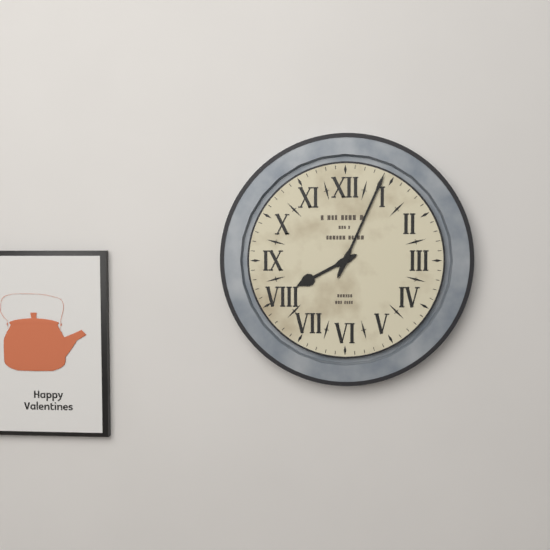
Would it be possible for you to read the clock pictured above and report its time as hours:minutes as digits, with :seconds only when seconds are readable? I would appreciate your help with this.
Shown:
8:04
